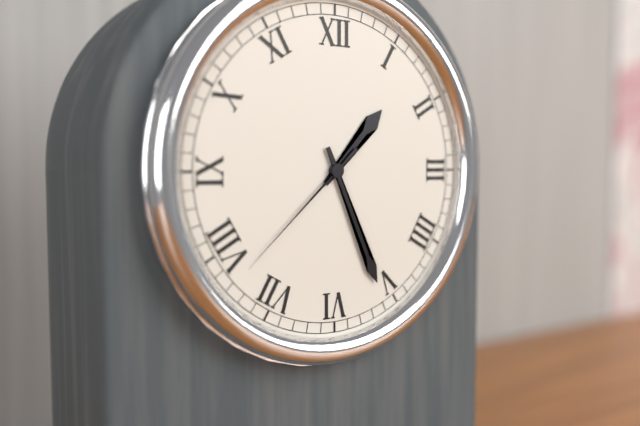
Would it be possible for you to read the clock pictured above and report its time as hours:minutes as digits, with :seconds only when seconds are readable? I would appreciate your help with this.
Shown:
1:26:38
